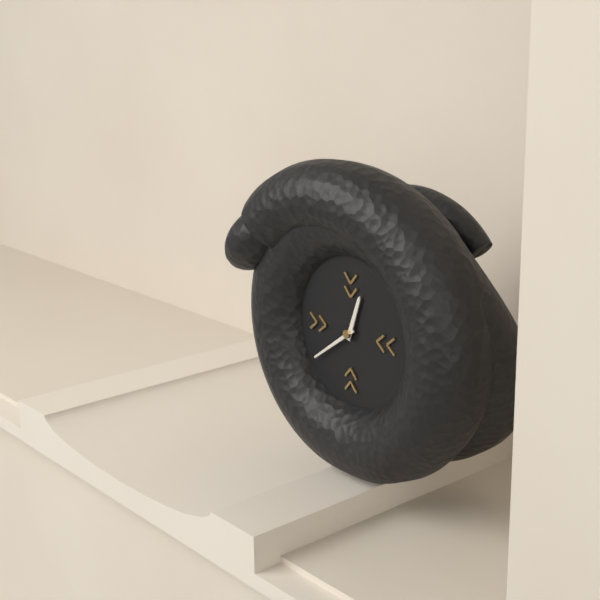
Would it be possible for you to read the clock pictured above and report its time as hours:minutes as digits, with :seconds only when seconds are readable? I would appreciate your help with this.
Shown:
12:39
